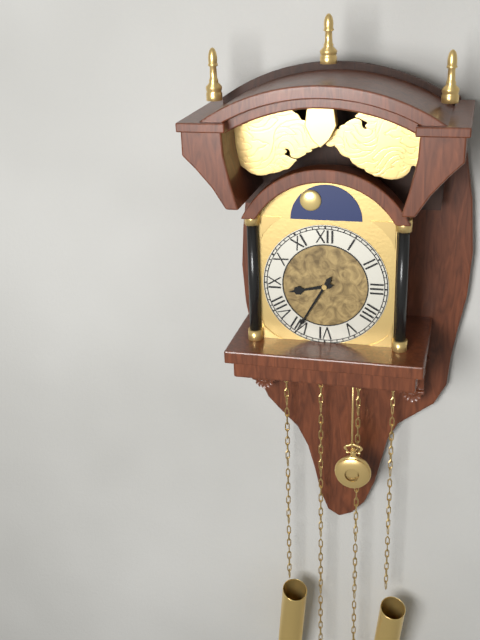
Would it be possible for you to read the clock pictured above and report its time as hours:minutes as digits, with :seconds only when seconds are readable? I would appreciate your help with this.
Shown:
8:35
